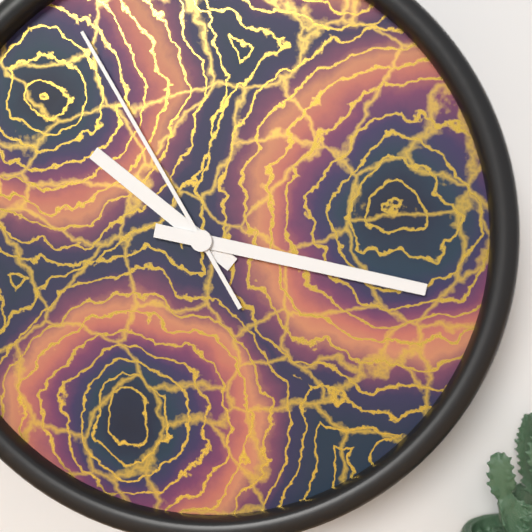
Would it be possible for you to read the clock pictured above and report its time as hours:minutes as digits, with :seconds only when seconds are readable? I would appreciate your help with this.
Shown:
10:17:55
